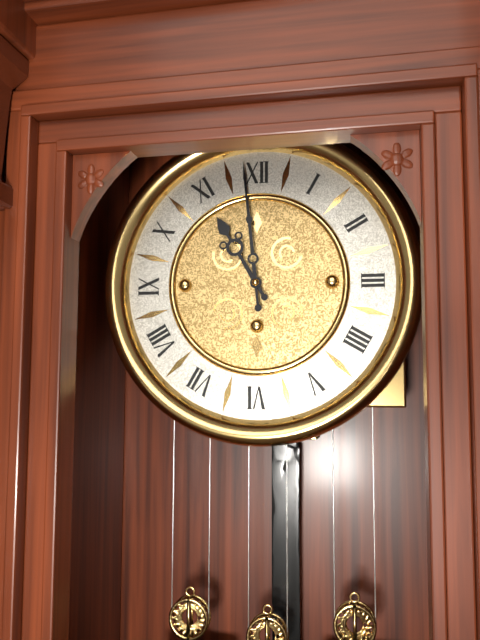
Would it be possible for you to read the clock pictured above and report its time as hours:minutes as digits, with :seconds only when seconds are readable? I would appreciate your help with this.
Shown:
10:59
